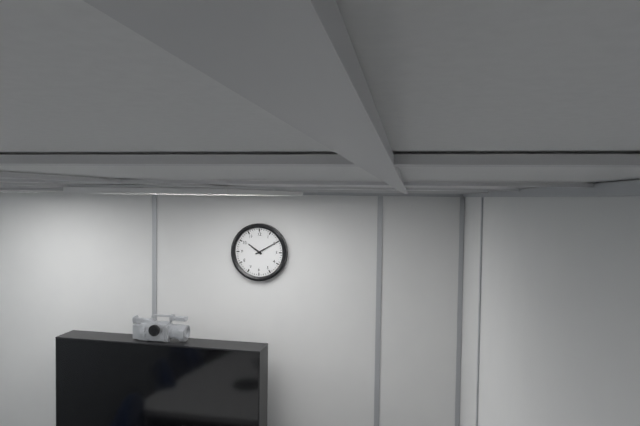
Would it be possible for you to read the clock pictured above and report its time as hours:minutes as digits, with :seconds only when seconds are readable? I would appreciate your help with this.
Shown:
10:10
